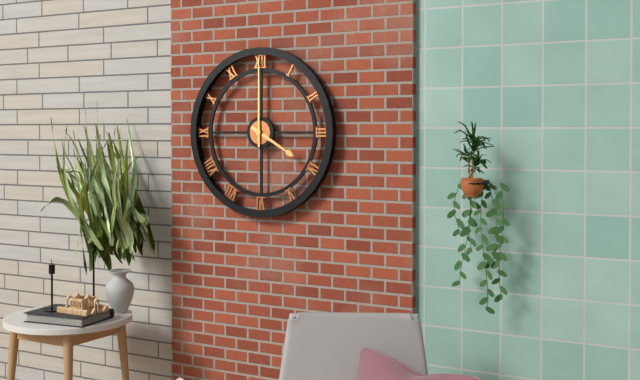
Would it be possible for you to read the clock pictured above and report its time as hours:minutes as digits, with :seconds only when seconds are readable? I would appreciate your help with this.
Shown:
4:00
